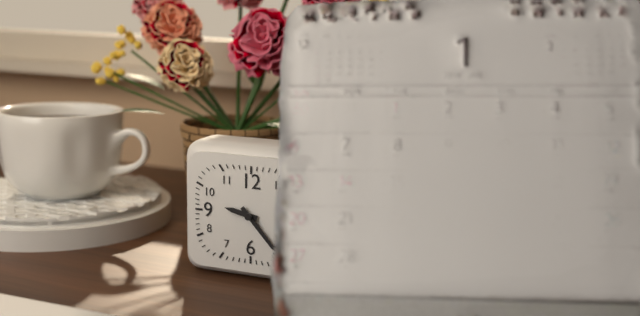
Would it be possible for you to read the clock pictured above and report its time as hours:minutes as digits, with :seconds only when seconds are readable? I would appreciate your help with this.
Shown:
9:23
